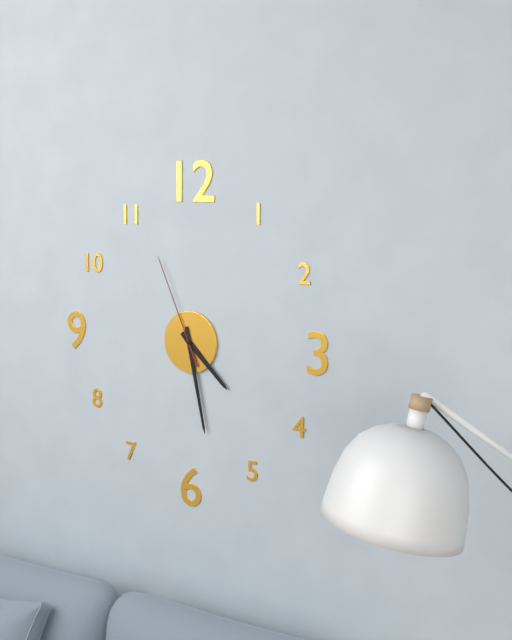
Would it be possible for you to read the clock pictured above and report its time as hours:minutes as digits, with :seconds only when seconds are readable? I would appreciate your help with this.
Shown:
4:28:56
